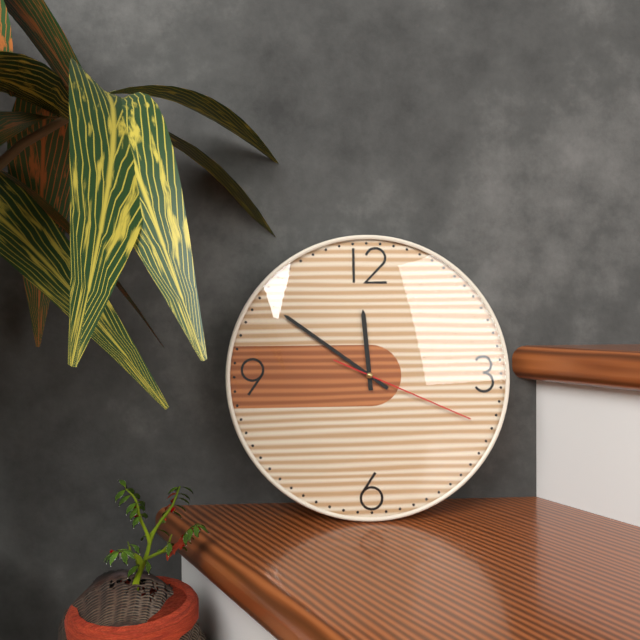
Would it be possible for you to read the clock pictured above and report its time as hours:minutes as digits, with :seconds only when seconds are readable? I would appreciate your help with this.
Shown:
11:51:19
